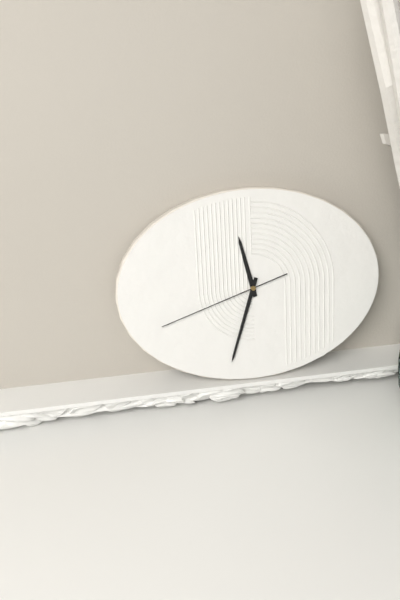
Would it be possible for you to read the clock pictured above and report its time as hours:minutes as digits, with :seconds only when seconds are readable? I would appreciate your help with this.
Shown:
11:33:42
